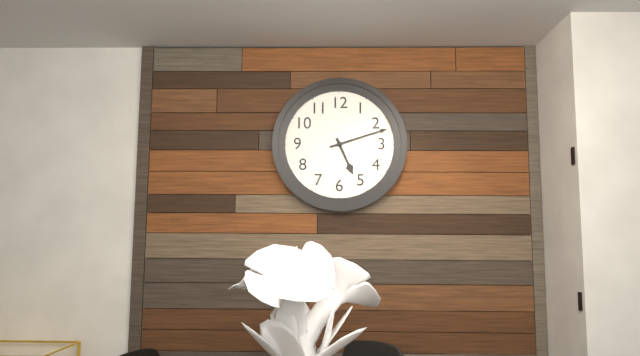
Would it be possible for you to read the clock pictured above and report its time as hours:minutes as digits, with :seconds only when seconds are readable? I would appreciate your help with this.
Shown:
5:12
